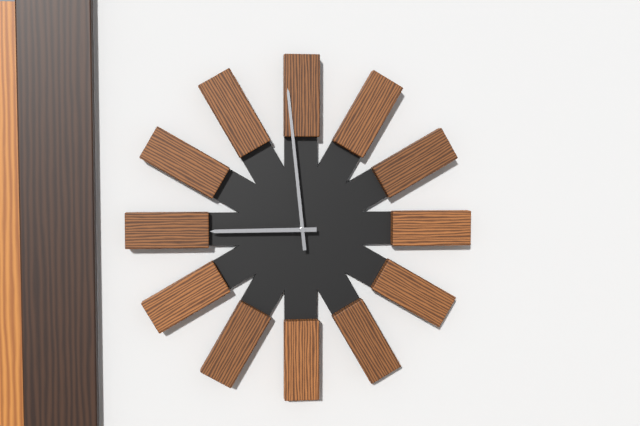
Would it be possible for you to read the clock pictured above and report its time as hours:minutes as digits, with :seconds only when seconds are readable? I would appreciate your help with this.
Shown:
8:59
